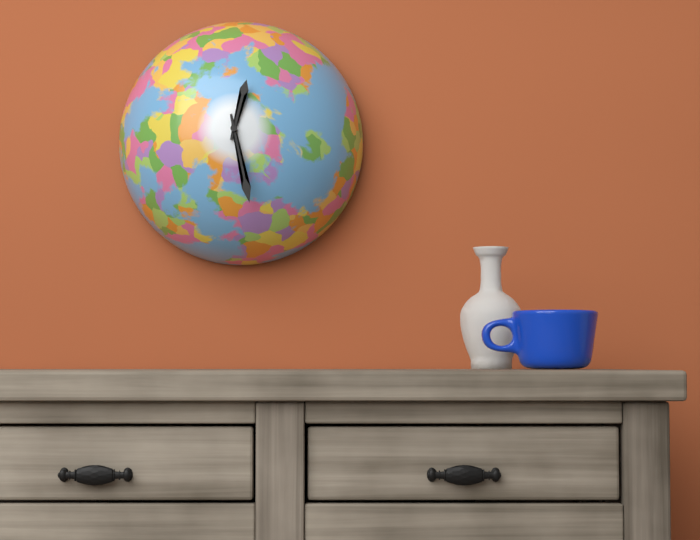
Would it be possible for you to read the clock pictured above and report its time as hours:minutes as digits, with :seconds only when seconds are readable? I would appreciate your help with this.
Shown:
12:28
